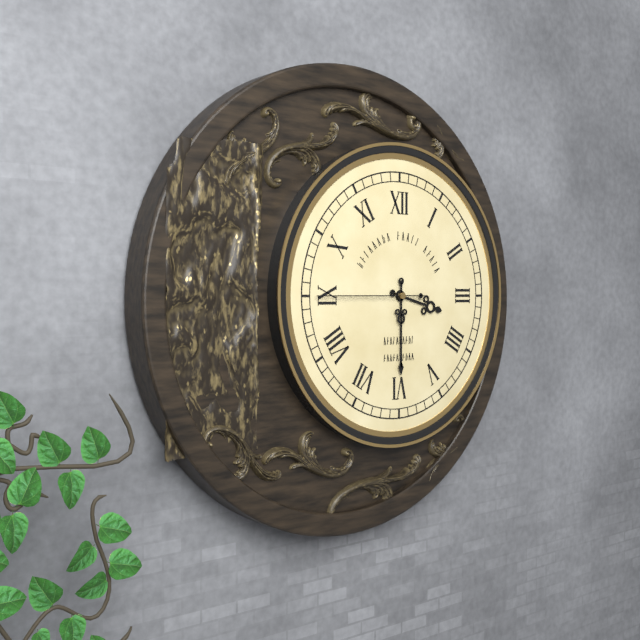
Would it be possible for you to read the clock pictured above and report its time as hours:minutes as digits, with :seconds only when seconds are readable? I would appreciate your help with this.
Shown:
3:30:45
